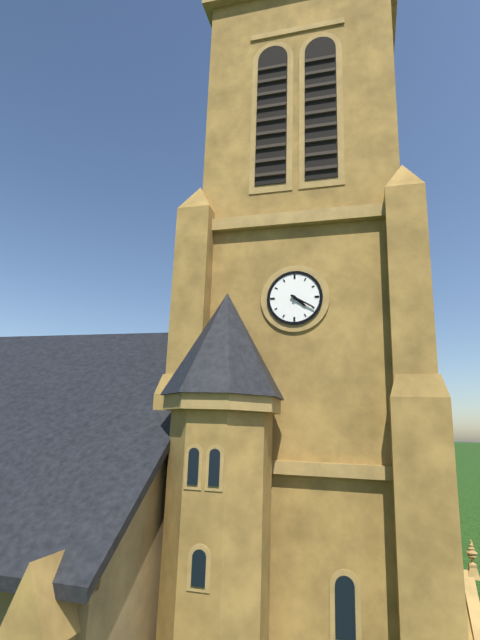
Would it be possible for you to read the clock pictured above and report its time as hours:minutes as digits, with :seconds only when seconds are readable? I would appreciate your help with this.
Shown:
4:20
